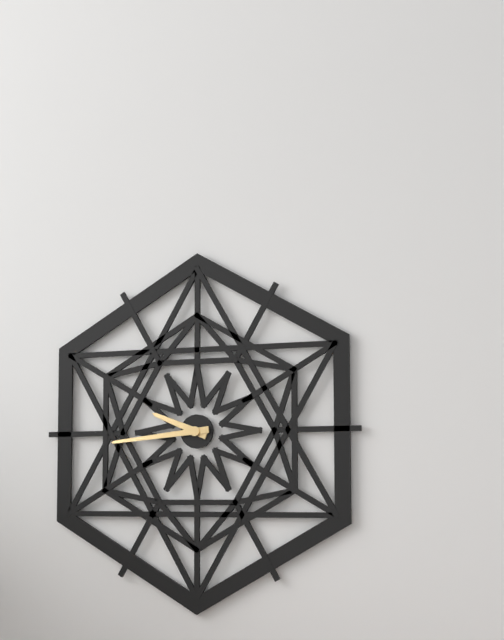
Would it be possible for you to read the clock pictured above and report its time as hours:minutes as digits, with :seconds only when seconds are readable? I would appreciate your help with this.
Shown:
9:44
